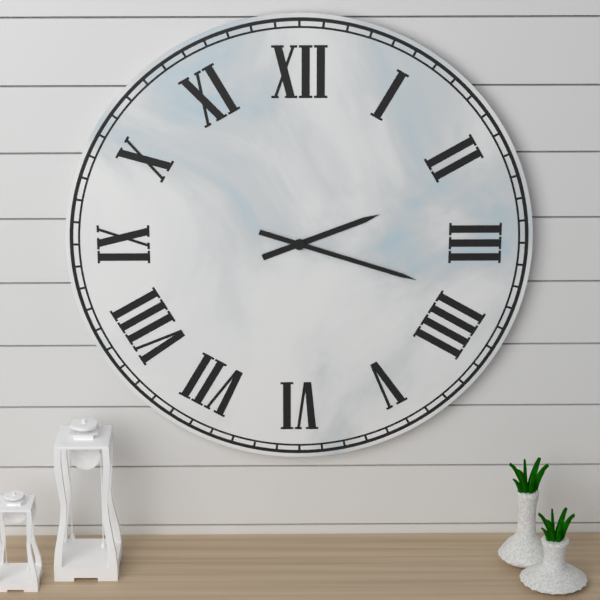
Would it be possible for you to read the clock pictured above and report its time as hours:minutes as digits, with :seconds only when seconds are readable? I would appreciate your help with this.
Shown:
2:18
